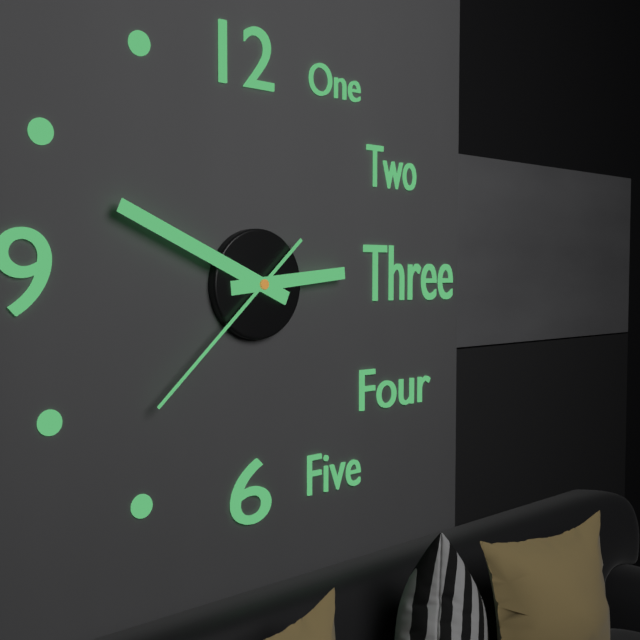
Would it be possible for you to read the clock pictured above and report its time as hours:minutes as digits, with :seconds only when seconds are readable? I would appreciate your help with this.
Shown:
2:49:38
